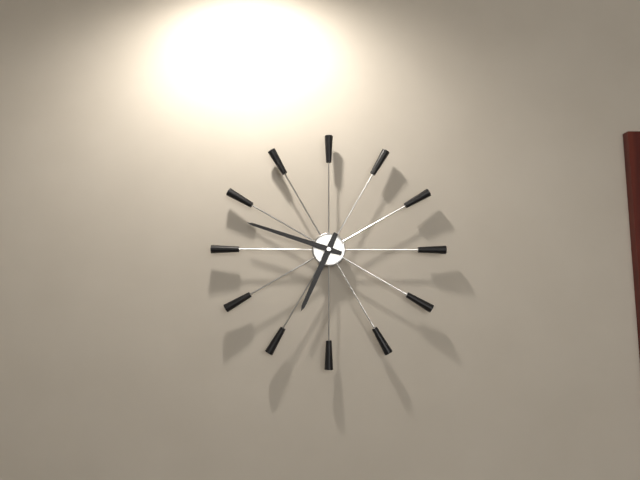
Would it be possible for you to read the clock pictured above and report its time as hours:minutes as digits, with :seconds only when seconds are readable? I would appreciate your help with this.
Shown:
6:48
